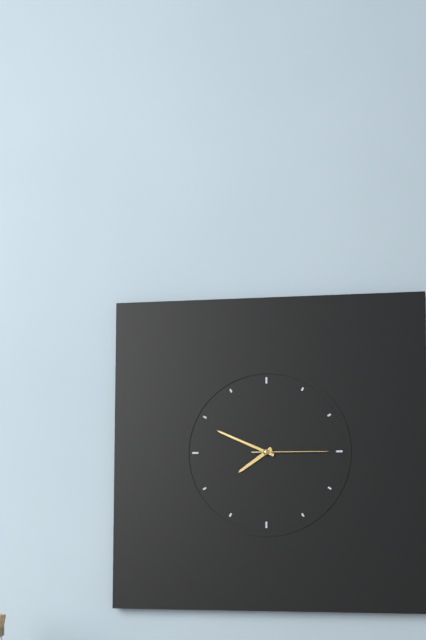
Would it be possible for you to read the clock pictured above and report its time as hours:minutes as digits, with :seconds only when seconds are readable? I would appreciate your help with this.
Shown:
7:49:15
